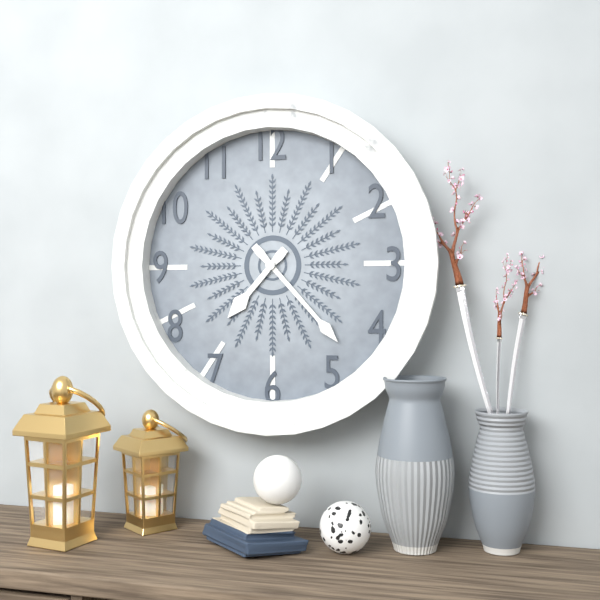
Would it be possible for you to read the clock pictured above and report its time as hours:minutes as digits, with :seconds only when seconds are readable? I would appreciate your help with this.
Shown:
7:23
